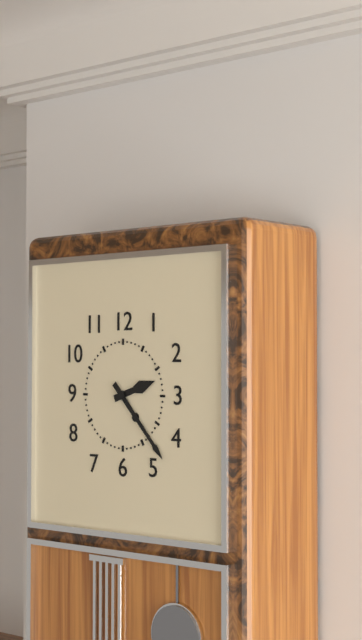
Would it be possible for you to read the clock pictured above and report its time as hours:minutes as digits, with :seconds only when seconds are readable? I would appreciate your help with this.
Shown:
2:23
